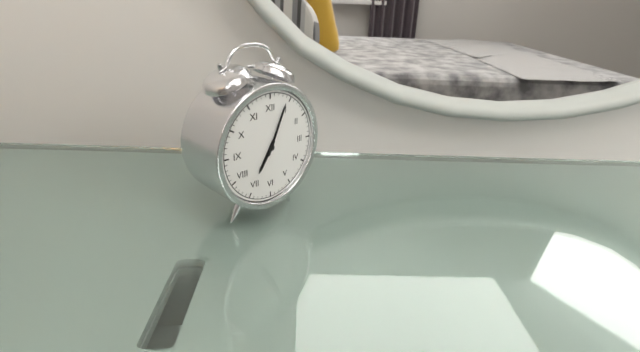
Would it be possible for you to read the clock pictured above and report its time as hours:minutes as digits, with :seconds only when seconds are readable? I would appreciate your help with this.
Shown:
7:04
